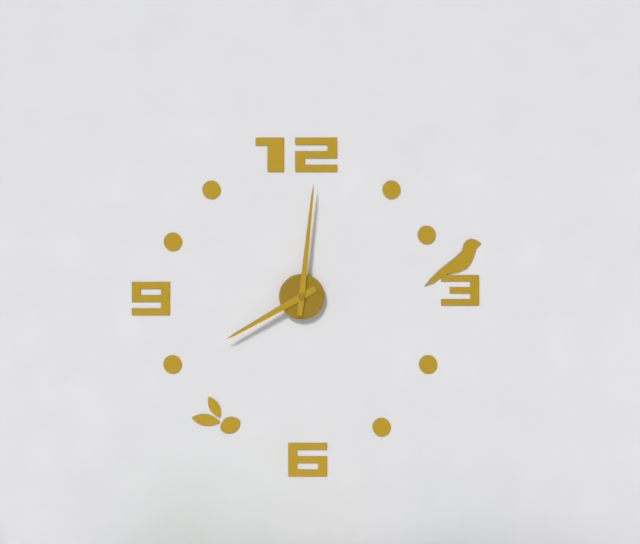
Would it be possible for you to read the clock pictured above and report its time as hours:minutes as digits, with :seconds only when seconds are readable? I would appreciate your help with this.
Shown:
8:01
